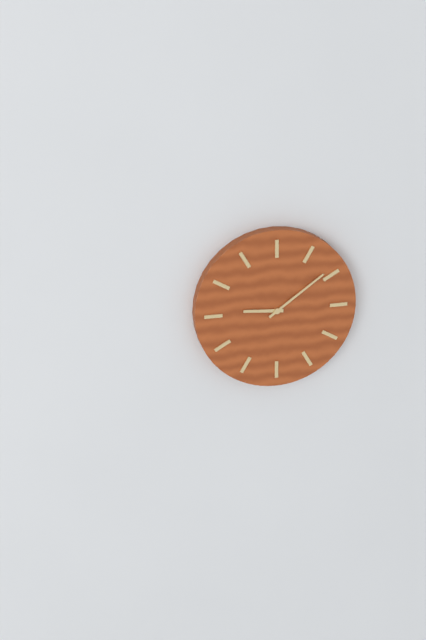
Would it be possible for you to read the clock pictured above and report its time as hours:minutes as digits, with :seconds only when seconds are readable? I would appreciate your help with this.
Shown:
9:09
